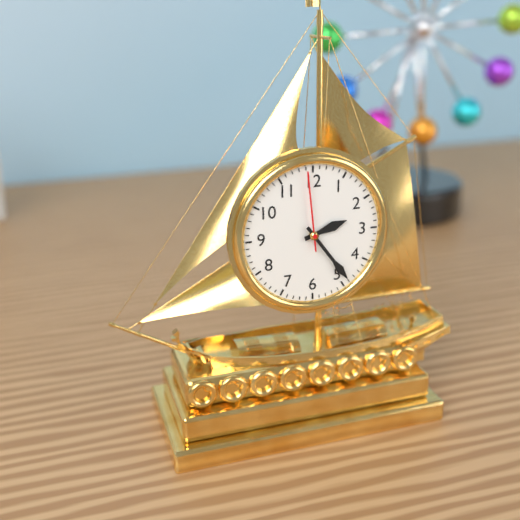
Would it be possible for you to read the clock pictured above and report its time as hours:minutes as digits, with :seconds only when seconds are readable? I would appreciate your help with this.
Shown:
2:24:59
